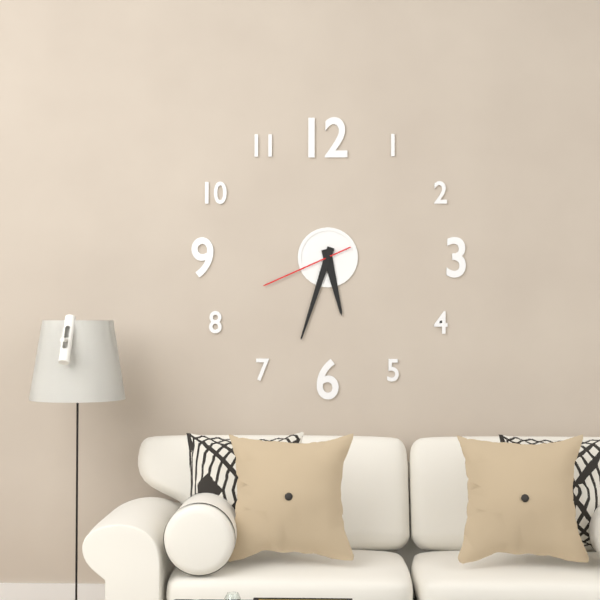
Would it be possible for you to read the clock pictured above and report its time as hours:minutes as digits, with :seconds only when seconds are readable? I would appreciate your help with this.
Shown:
5:33:41
